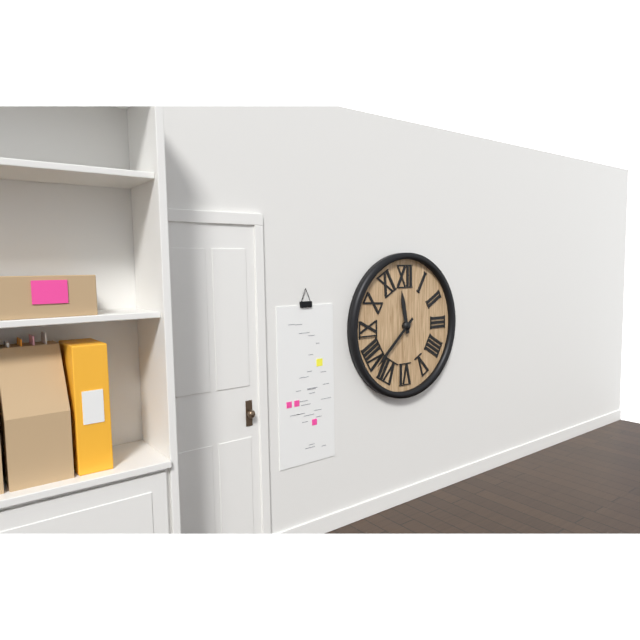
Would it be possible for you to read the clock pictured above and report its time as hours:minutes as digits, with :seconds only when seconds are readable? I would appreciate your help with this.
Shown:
11:38
